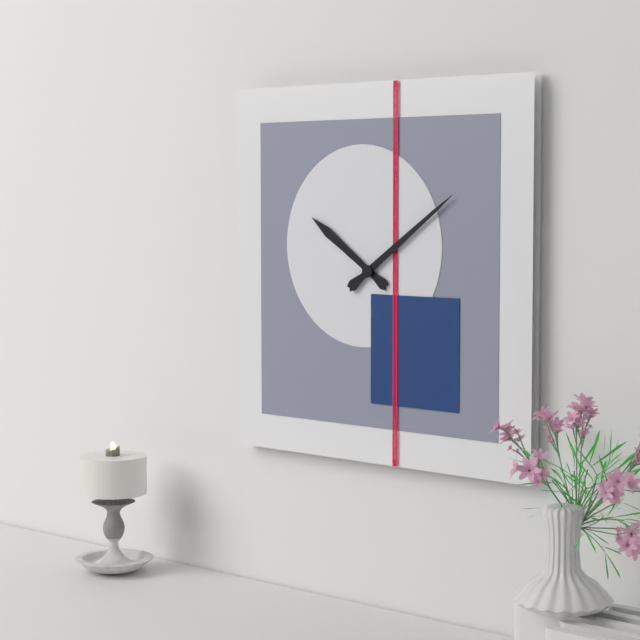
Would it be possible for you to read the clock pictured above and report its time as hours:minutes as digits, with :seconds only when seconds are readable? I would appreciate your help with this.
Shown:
10:09
